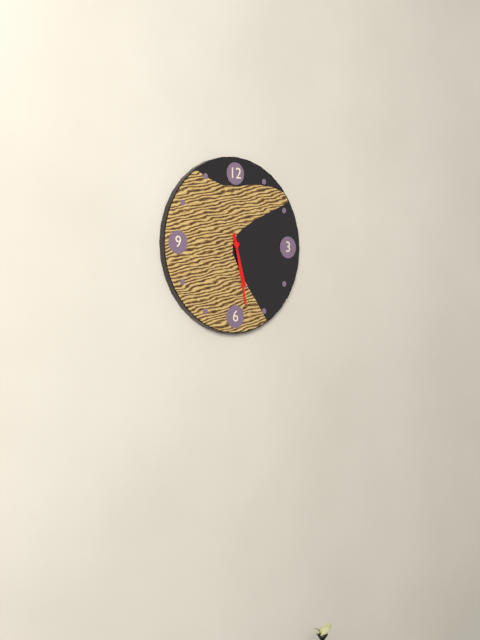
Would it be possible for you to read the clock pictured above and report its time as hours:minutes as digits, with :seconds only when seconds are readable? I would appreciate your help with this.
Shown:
5:28
